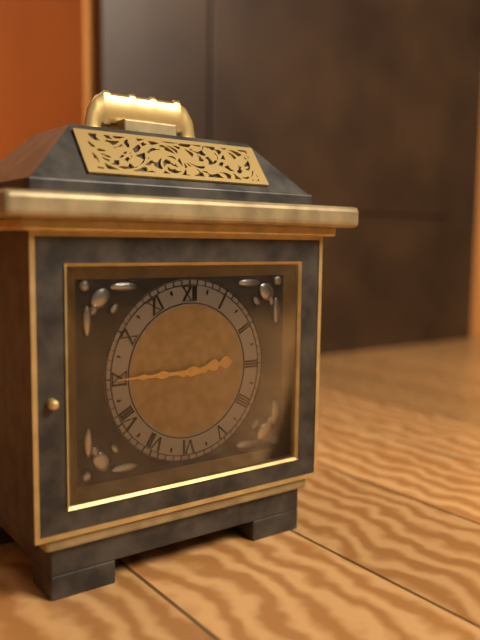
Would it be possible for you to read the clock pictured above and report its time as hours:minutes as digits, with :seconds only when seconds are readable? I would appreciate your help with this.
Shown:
2:45
